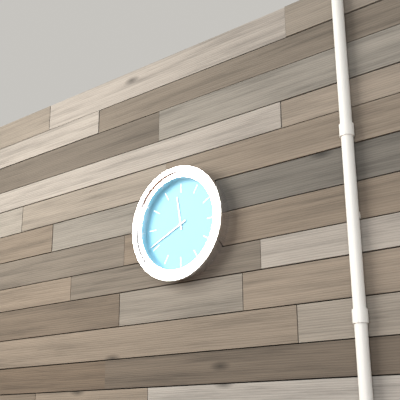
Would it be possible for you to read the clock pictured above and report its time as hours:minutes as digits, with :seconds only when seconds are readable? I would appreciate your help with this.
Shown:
11:41
